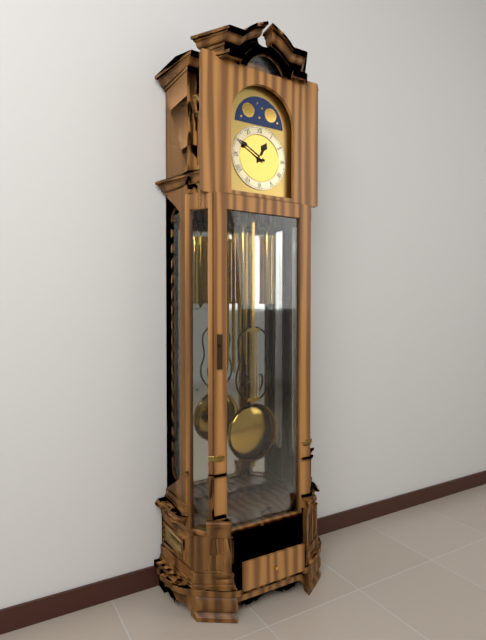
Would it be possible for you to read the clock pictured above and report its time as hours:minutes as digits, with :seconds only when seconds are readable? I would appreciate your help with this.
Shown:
12:50
